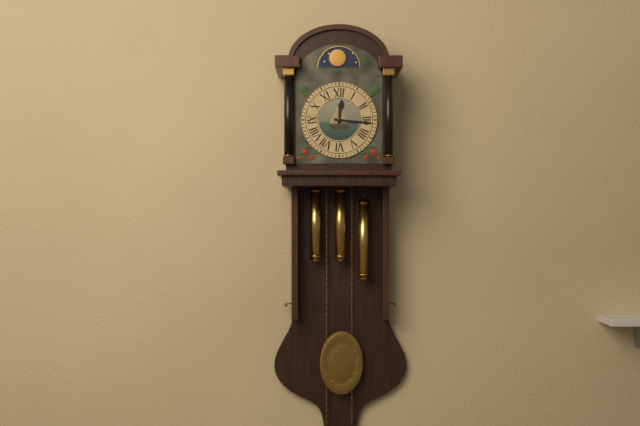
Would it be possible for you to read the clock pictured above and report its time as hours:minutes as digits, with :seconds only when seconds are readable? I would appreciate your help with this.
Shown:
12:16
